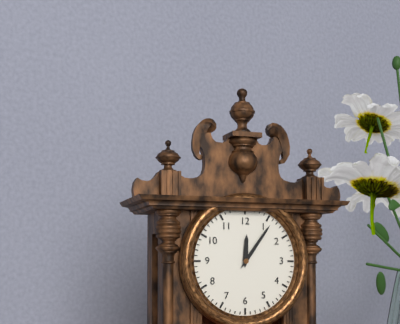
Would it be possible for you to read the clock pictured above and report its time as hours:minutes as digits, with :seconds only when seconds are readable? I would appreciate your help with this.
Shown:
12:06
